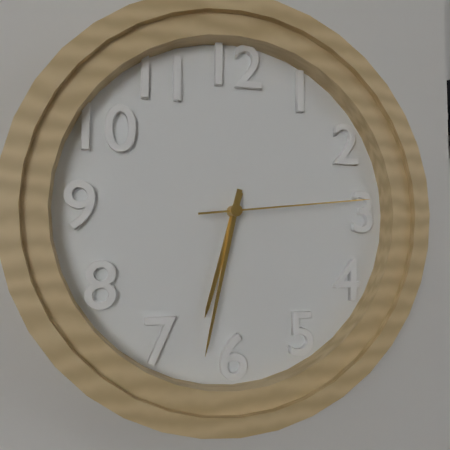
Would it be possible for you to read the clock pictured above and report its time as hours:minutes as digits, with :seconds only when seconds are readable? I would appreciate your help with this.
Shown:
6:32:14
